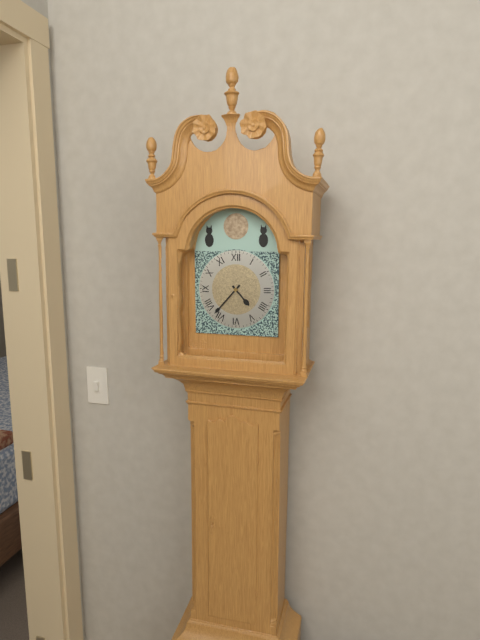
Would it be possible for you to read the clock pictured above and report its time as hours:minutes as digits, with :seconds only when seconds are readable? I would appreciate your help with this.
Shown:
4:37
